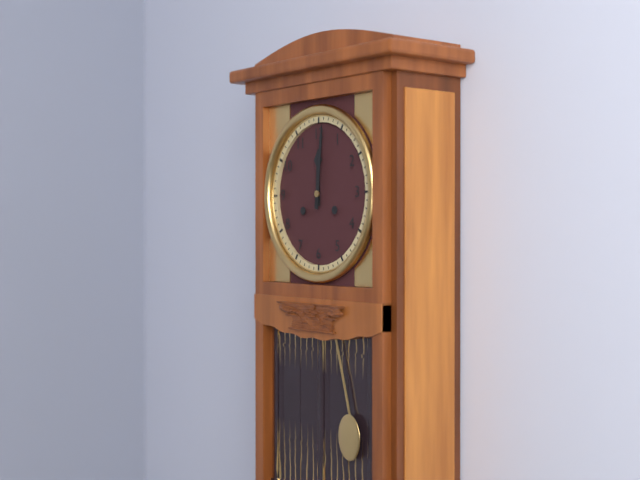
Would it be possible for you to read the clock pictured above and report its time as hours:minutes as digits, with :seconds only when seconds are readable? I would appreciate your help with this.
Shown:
12:01
